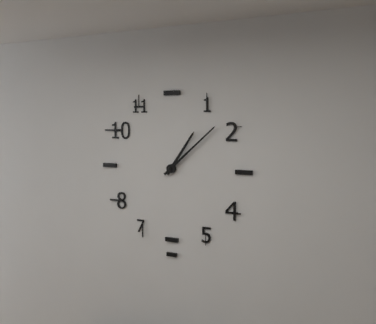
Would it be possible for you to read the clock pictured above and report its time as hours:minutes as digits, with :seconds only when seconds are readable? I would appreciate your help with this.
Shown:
1:08
